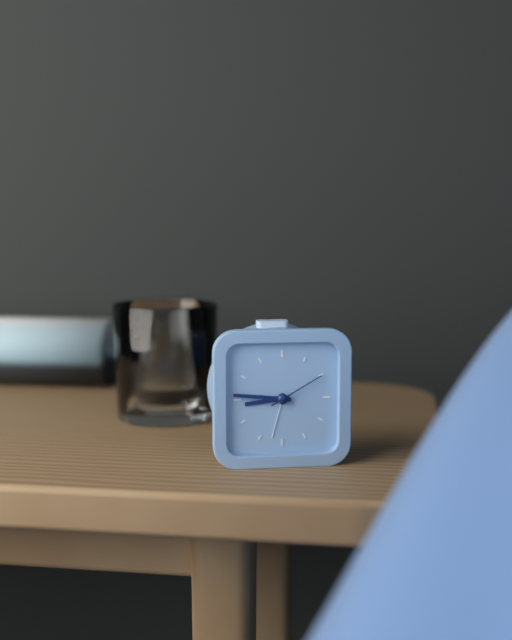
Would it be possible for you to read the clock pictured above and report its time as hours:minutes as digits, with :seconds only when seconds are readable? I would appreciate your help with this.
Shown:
8:46:10
